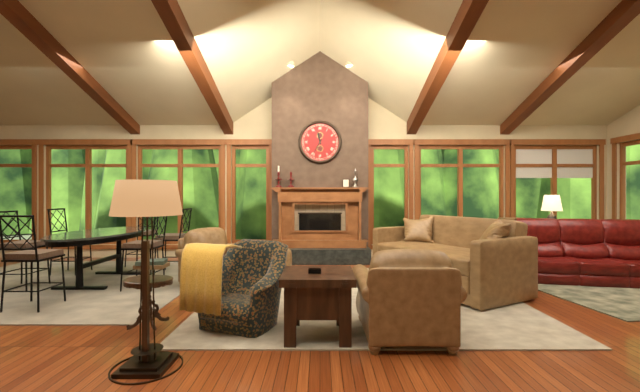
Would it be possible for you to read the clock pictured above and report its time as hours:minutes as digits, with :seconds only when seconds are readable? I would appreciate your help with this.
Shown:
11:35
